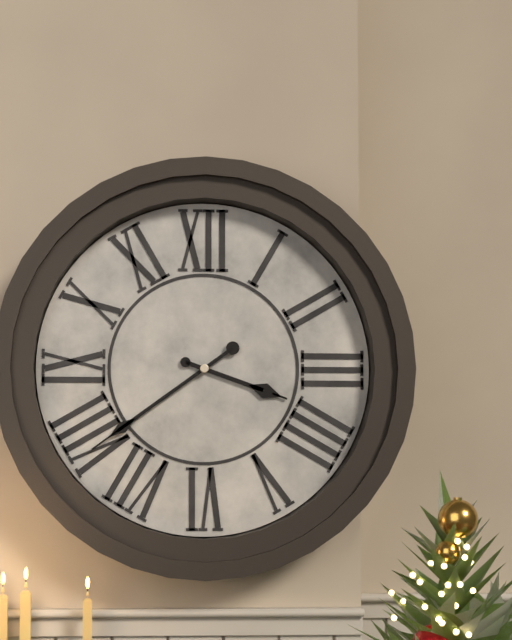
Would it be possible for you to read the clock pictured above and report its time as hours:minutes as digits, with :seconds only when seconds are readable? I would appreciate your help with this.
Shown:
3:39
